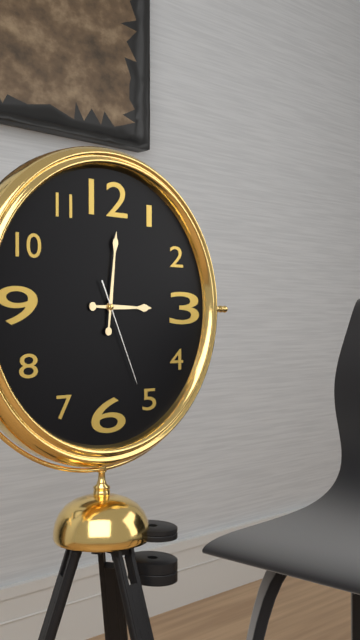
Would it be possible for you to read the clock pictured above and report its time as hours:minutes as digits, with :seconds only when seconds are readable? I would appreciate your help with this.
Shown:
3:01:26
